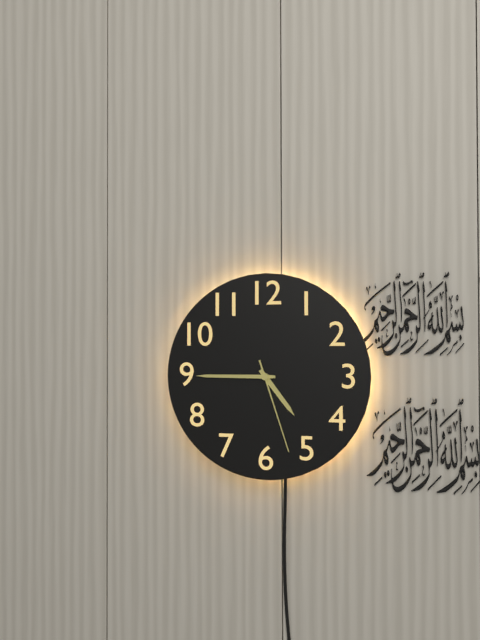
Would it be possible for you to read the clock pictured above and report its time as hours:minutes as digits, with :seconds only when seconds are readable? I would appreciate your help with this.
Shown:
4:45:27
